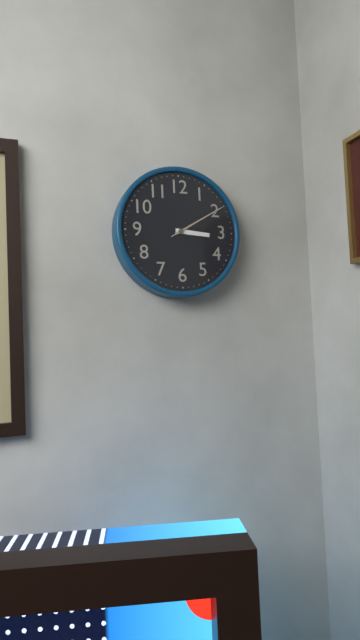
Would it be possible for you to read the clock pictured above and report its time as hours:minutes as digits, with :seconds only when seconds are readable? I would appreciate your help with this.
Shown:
3:10:10
